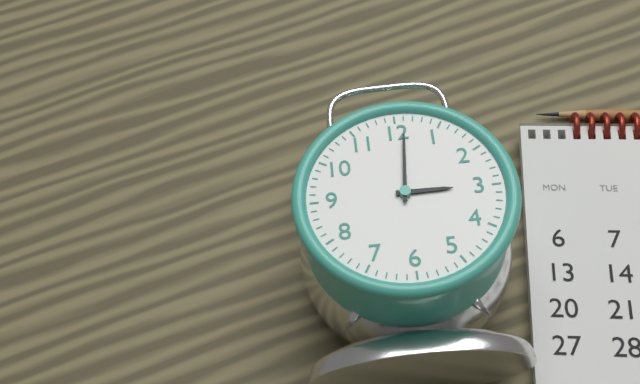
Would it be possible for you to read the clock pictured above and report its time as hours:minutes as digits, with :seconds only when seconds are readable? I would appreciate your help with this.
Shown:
3:01
